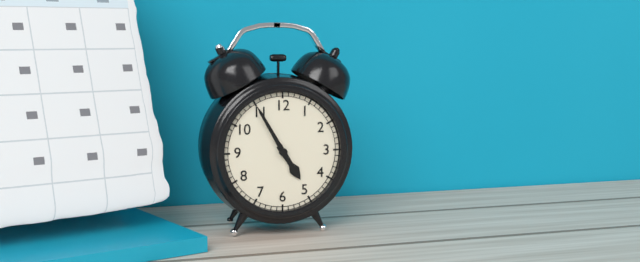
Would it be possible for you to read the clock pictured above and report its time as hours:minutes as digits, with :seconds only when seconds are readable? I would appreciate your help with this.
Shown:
4:55
